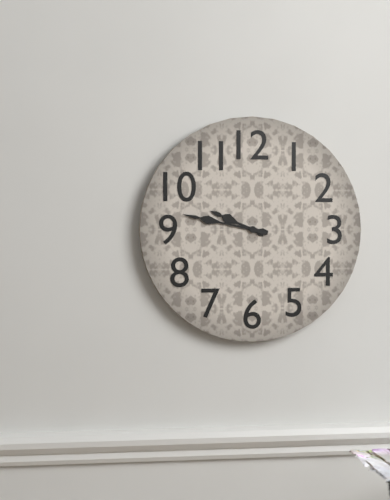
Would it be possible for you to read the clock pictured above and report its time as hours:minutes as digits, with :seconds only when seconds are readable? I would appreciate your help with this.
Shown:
9:47
